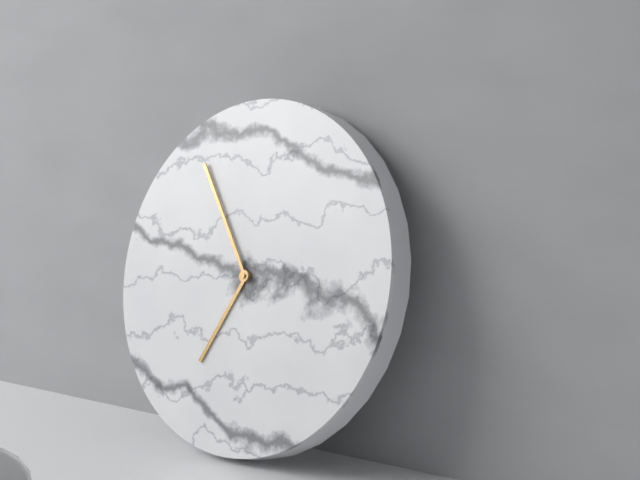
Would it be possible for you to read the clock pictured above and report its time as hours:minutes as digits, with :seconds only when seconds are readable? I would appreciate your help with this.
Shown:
6:54
